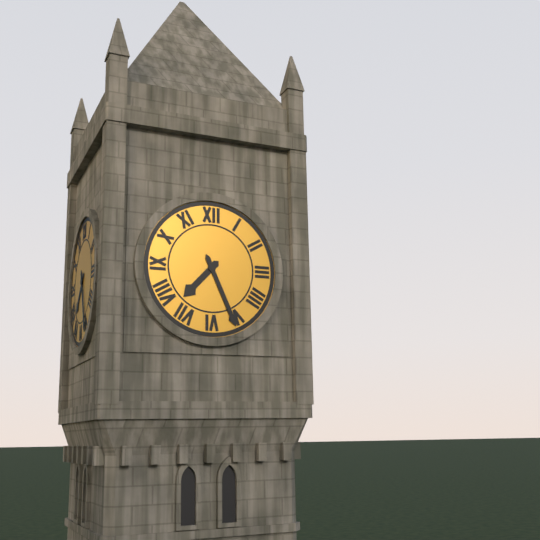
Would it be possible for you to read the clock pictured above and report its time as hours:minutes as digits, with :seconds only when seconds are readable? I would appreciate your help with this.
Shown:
7:26
